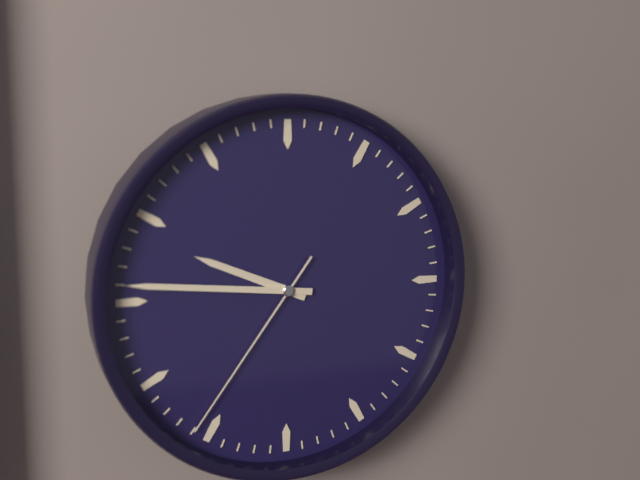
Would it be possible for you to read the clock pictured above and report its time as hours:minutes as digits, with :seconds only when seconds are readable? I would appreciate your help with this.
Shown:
9:46:36
